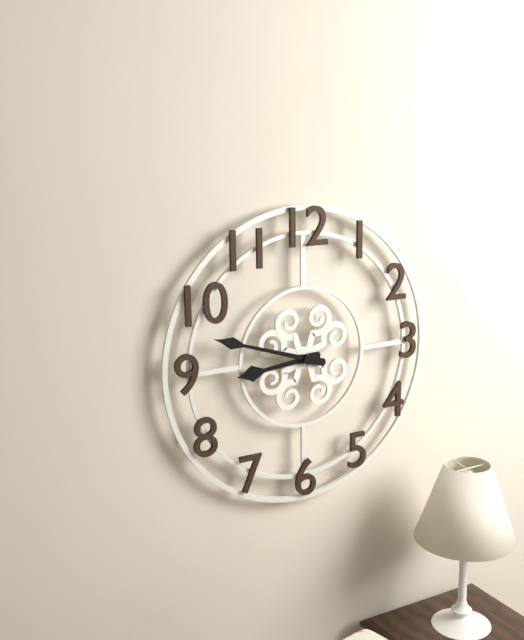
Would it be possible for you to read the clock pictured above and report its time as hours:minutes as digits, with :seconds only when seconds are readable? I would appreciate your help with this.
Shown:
8:48
